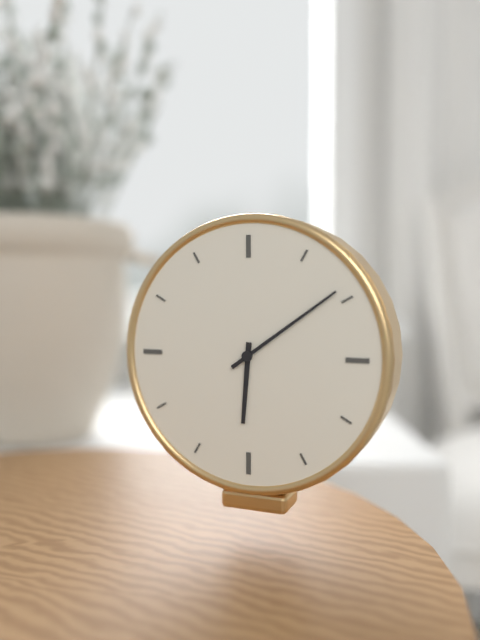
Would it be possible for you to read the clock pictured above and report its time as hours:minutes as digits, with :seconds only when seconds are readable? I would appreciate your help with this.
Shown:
6:09
